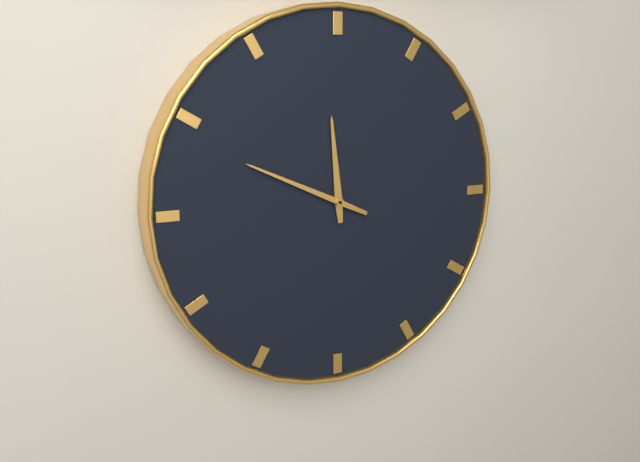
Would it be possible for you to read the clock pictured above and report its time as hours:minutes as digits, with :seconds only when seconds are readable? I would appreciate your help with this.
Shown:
11:49
